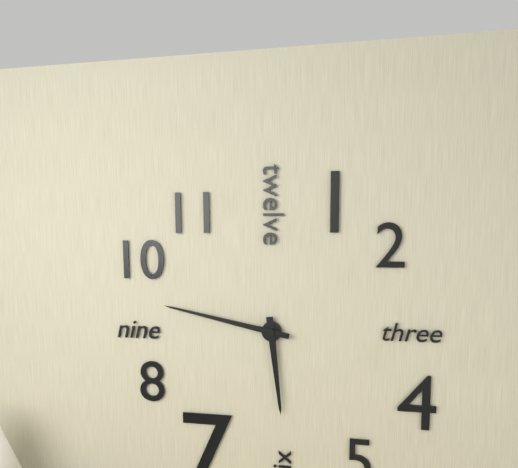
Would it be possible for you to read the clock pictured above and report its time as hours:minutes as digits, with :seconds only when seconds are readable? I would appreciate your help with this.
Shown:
5:47
